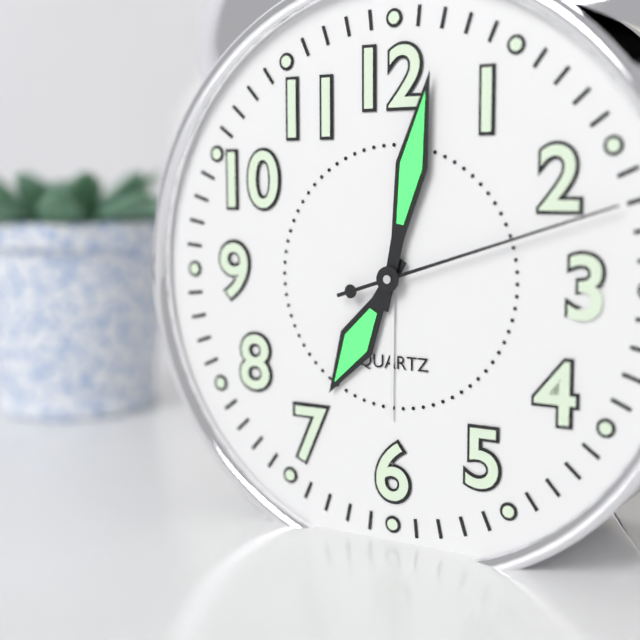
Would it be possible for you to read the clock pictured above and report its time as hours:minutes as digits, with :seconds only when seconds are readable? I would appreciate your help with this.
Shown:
7:02:12
